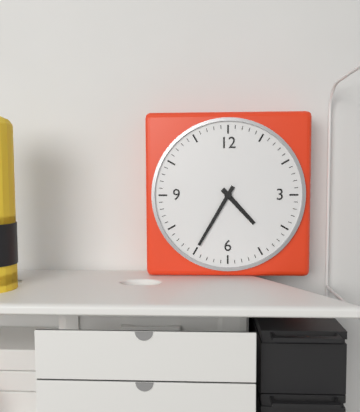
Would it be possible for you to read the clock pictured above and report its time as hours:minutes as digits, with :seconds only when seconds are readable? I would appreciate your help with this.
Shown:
4:35
